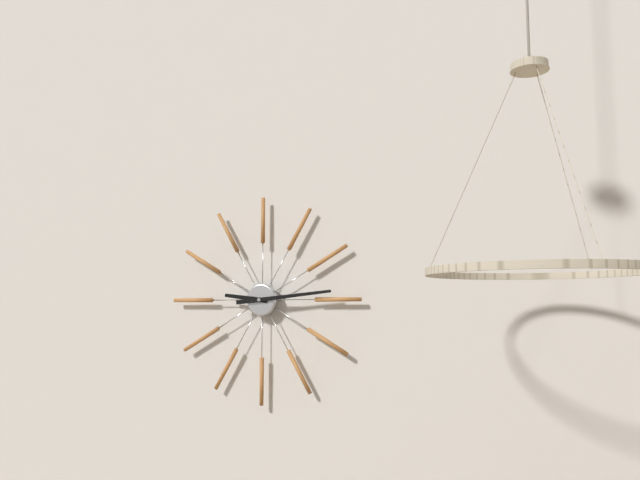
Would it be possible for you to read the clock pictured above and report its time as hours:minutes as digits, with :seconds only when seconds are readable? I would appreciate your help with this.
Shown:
9:14
